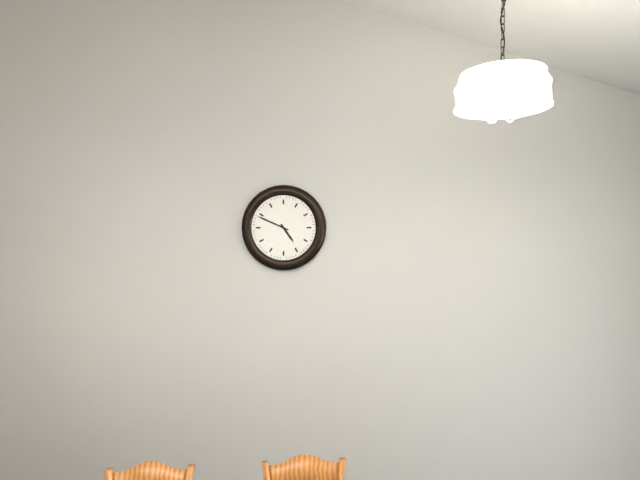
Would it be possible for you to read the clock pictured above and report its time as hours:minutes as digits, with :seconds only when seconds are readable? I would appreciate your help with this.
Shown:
4:49
